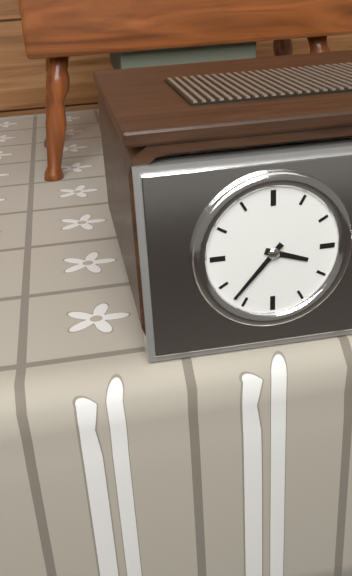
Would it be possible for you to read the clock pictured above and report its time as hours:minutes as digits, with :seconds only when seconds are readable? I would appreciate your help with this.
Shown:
3:37
